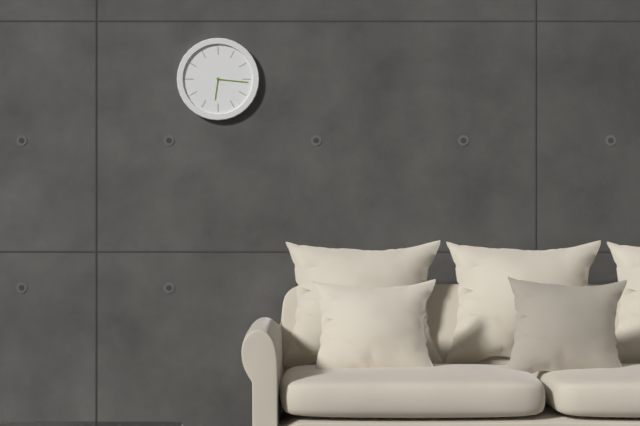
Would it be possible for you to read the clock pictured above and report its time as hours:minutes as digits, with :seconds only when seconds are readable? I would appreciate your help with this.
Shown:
6:16
